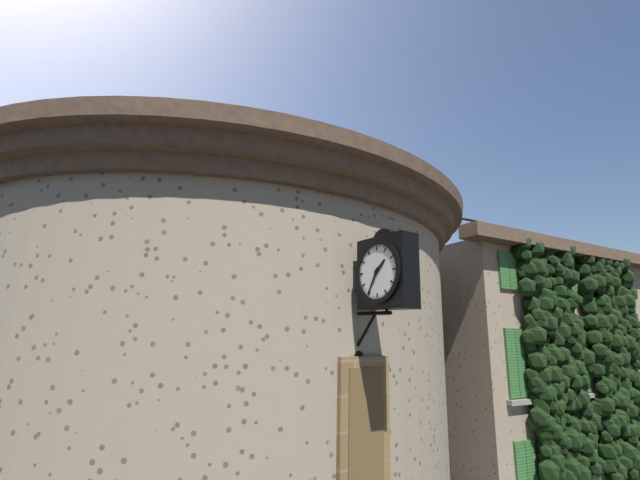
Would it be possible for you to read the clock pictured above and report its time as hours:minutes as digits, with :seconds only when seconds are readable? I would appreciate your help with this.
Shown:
1:35
